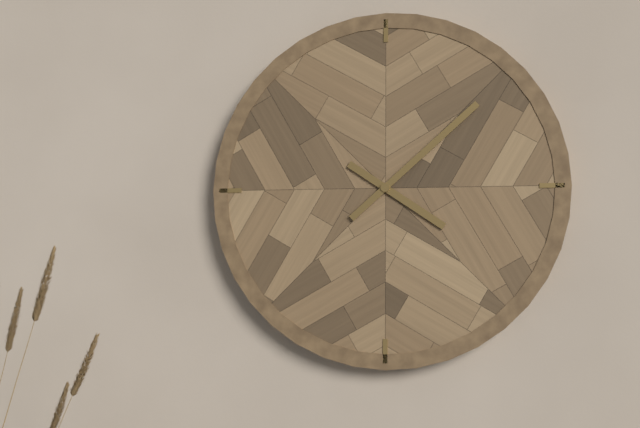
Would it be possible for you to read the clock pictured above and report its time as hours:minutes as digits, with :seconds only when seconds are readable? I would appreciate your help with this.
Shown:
4:08
